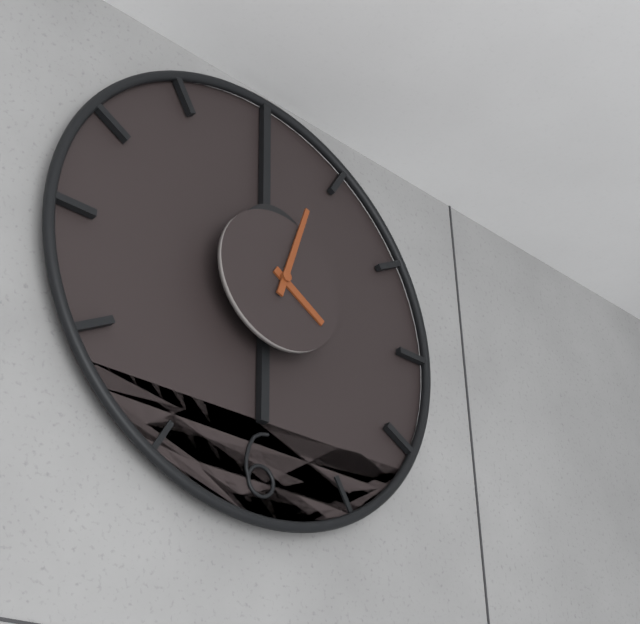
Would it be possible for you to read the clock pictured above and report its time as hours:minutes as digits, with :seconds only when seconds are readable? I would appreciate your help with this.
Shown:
4:03
